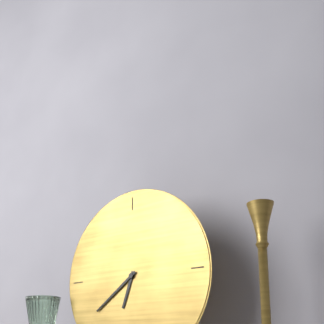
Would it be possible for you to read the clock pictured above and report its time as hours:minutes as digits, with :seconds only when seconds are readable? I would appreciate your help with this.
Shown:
6:39
